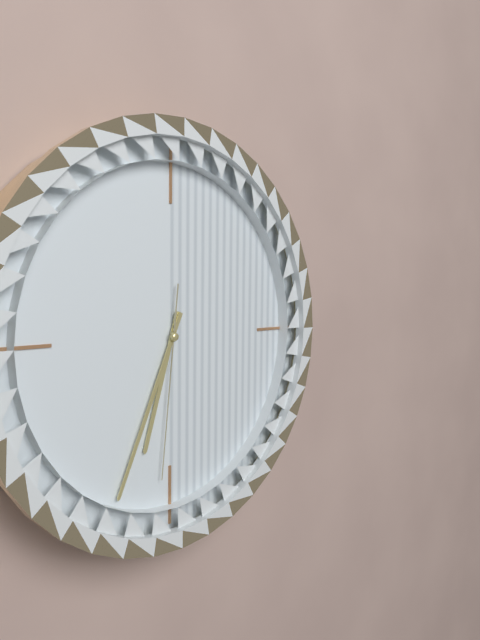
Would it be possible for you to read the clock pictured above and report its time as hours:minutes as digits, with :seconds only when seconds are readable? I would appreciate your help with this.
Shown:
6:34:31
